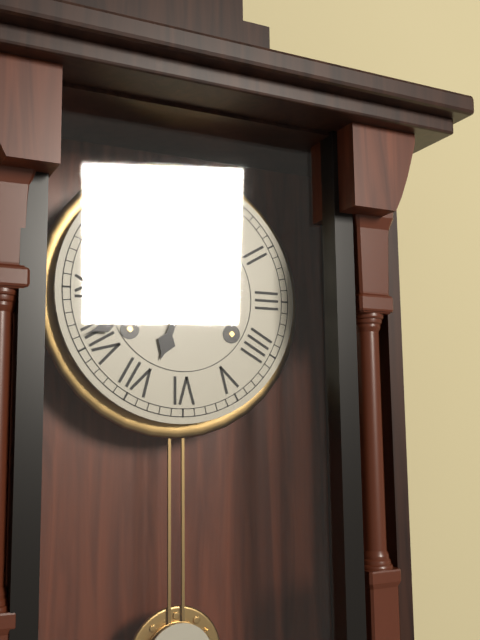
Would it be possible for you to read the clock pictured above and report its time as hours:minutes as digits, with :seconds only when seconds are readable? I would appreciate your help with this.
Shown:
6:41
